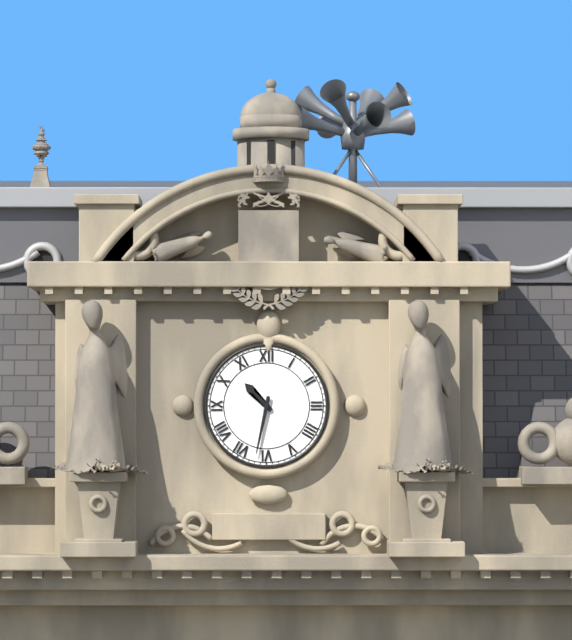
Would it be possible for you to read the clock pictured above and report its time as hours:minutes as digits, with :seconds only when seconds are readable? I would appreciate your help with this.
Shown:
10:32
